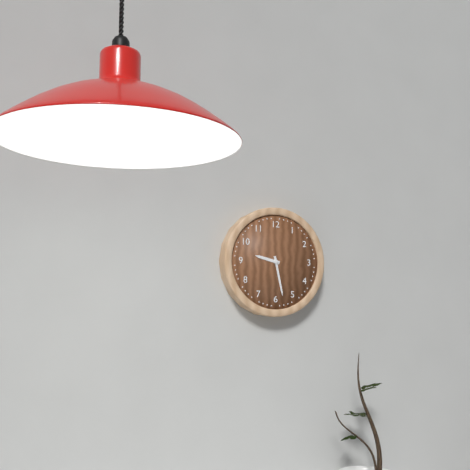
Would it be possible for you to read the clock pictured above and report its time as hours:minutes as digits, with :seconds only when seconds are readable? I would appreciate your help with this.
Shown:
9:28
